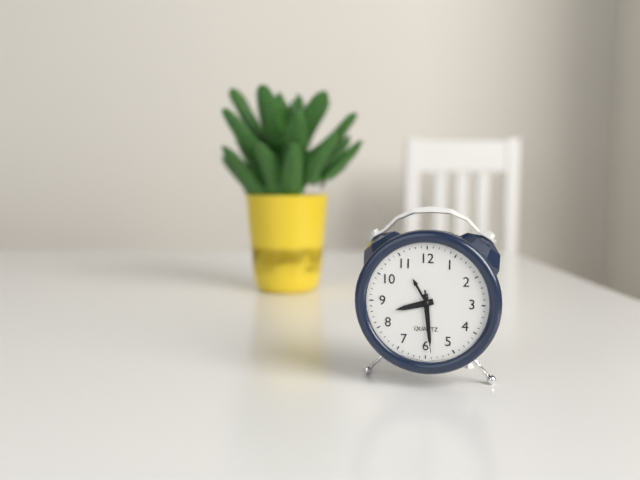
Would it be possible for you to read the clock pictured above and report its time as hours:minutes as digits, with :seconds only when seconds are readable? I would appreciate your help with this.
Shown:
8:29:29
